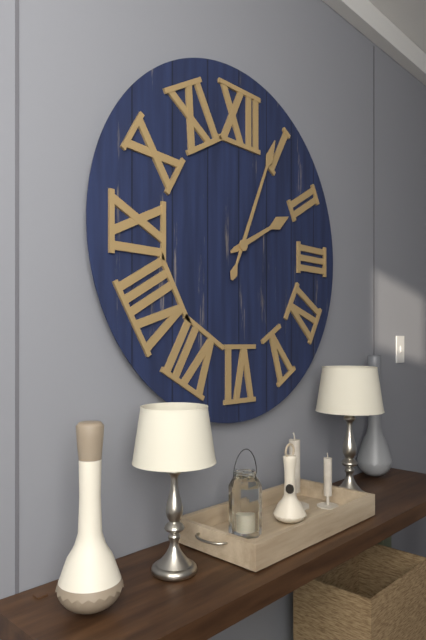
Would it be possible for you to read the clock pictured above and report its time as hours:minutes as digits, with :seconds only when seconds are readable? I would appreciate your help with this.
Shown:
2:04
